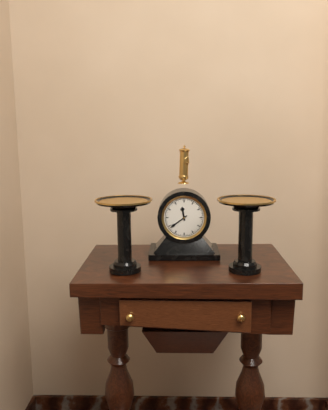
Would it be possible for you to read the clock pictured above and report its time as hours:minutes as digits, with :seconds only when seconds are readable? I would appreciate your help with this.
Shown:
11:39
